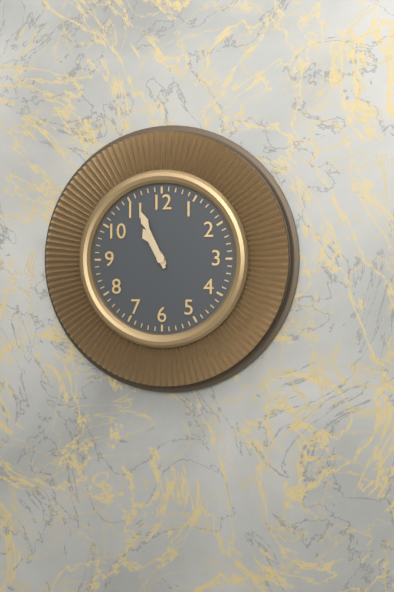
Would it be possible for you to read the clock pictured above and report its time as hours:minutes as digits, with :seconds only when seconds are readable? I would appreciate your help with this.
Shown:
10:56
